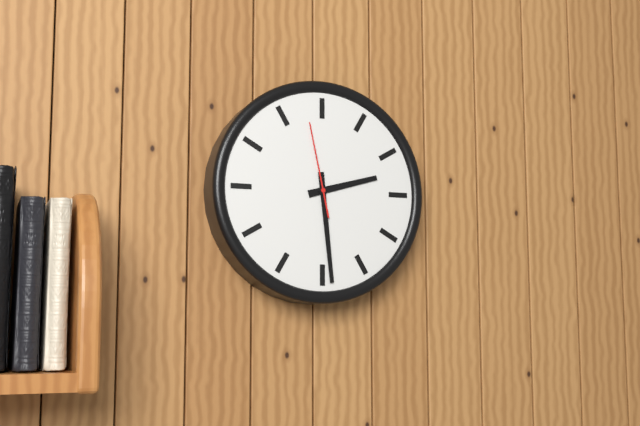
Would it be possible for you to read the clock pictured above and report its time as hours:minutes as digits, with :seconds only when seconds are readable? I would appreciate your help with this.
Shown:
2:29:58
